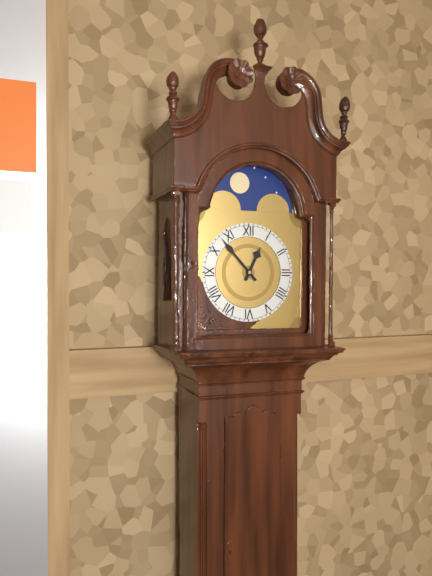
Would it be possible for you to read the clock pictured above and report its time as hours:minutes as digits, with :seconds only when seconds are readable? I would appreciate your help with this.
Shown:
12:53
